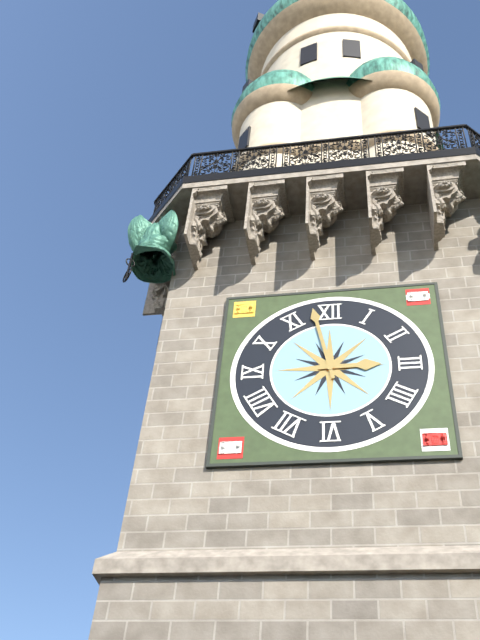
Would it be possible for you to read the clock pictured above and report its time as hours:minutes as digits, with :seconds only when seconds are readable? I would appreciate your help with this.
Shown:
2:58
